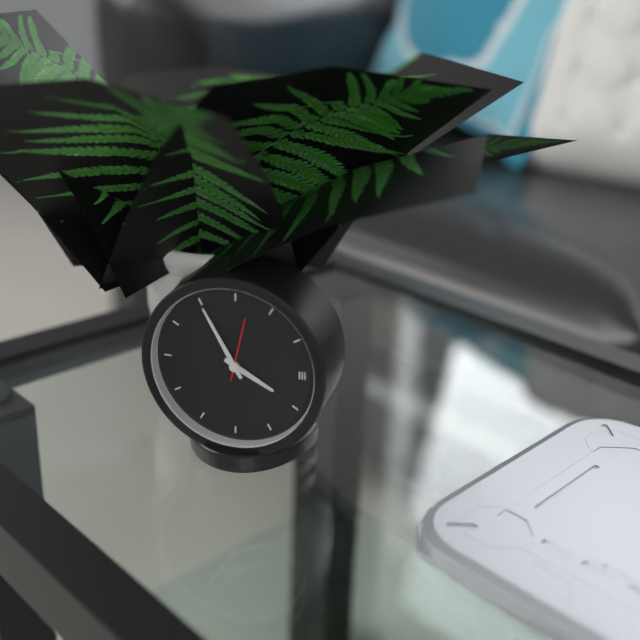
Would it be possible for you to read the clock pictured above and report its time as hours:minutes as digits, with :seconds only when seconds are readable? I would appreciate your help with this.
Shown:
3:55
